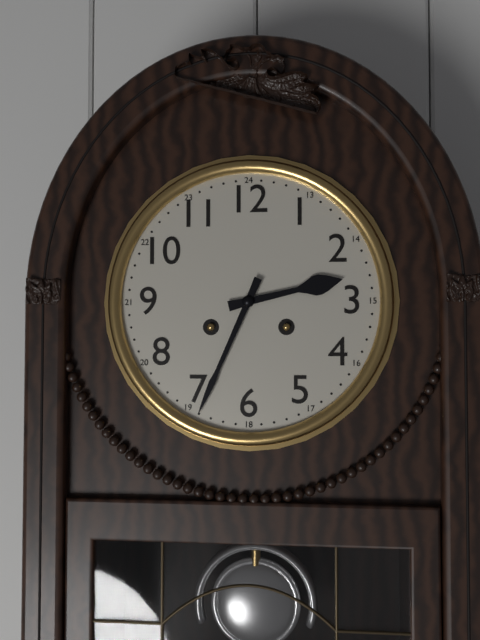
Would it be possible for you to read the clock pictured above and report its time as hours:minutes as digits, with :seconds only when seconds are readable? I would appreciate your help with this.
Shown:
2:34
